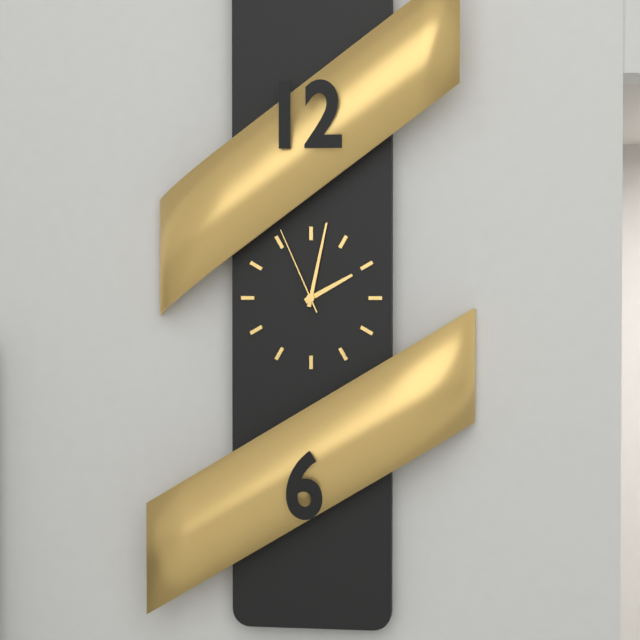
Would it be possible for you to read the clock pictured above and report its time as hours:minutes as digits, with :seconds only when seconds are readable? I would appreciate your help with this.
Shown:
2:02:56
